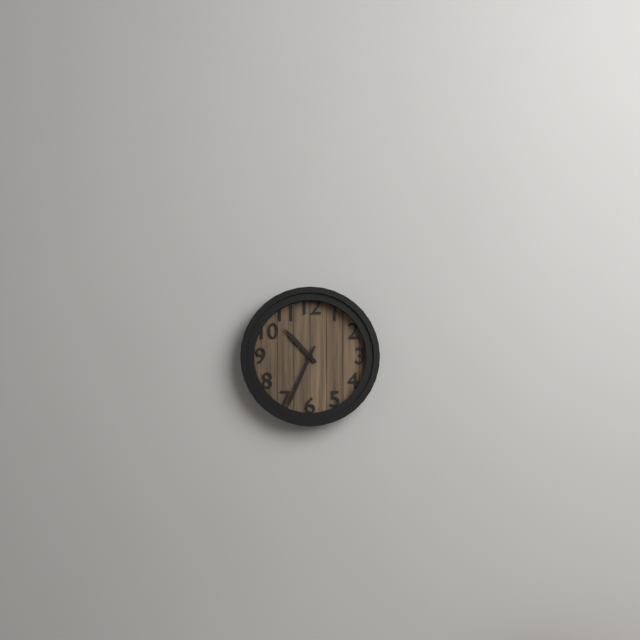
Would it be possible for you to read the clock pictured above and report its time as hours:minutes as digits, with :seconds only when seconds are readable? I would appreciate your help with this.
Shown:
10:34
